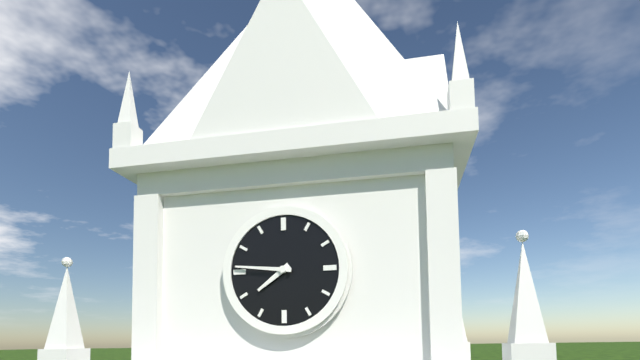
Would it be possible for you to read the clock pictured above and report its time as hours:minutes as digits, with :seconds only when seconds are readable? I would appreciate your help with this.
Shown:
7:46
